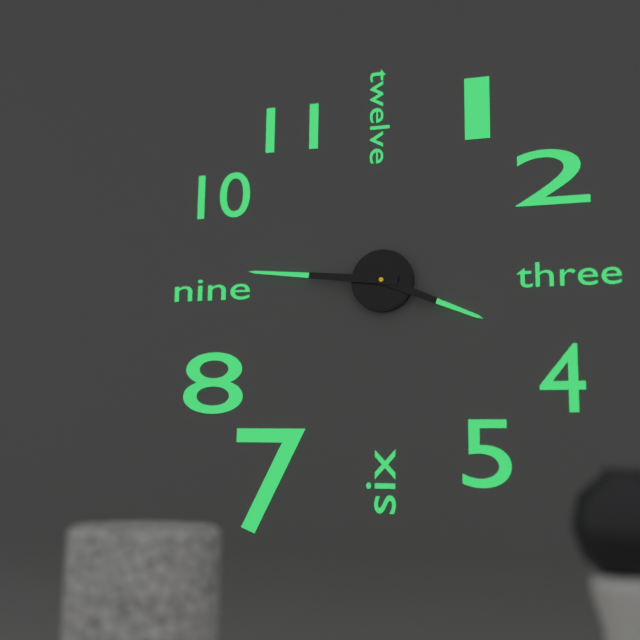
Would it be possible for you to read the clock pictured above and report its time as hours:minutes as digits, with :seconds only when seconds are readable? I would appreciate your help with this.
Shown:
3:46
